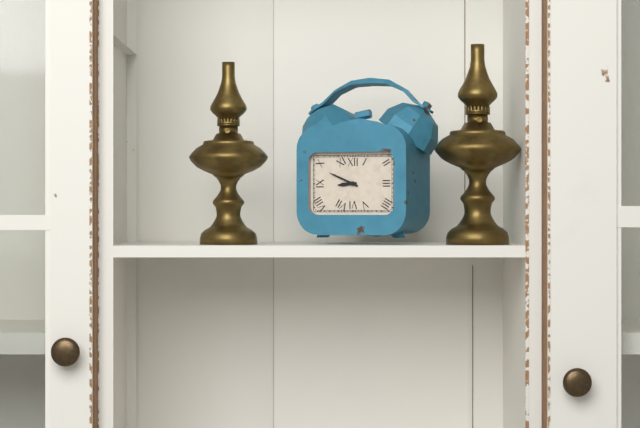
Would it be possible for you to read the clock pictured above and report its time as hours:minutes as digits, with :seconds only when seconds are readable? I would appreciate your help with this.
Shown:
8:49
